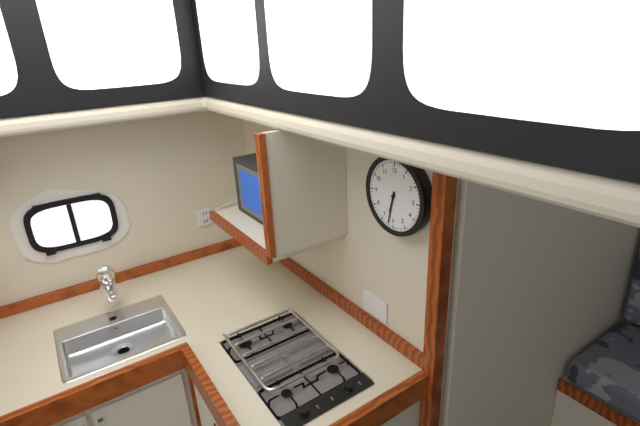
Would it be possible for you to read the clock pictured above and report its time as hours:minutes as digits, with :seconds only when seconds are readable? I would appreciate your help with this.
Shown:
6:32
